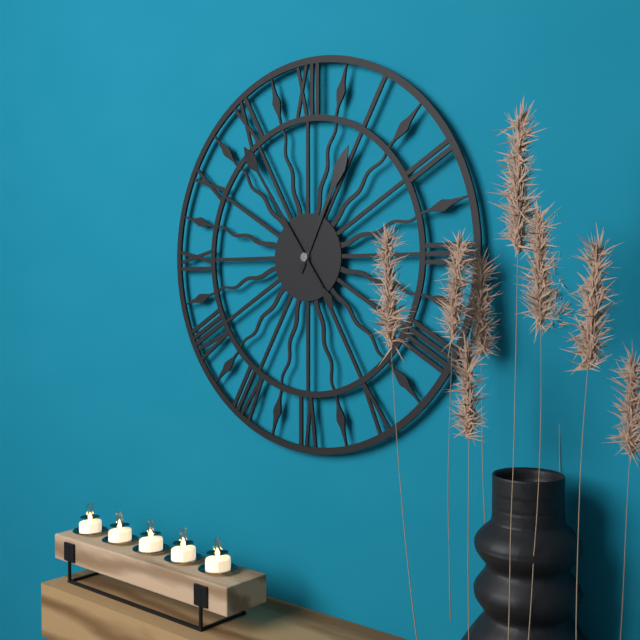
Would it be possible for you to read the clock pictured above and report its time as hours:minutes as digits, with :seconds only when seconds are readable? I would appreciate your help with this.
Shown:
12:54
